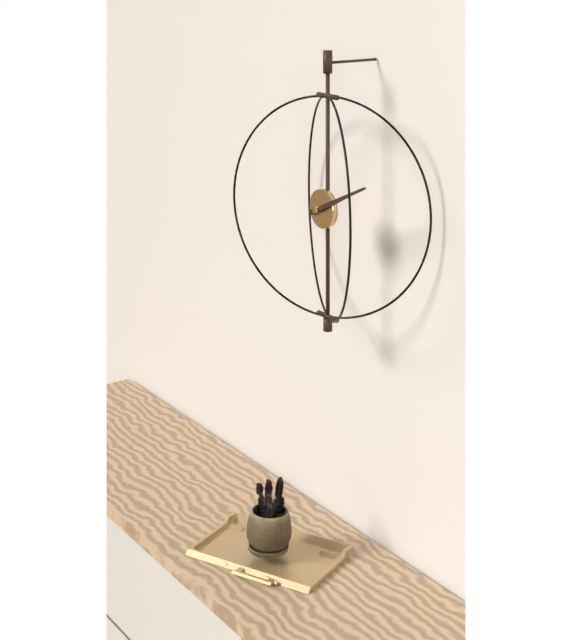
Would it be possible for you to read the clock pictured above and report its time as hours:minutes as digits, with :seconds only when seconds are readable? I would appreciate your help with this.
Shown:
2:11
